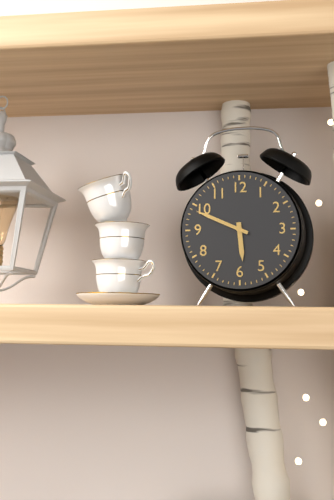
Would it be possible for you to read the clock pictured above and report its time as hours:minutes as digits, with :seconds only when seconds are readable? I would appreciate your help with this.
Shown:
5:49
